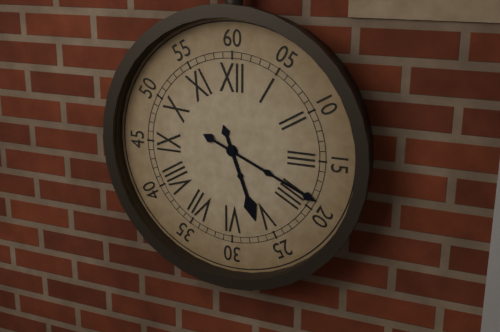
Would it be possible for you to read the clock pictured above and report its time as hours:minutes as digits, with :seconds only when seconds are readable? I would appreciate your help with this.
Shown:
5:19
